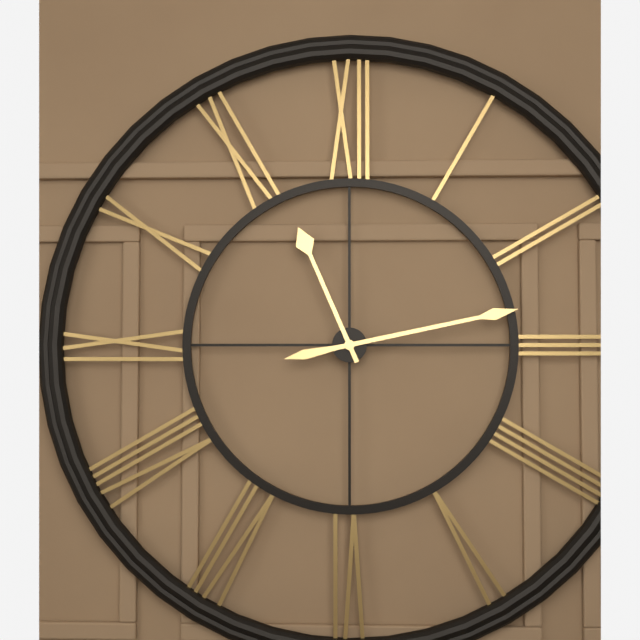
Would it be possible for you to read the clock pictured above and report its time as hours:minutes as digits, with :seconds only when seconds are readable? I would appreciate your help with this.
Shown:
11:13
